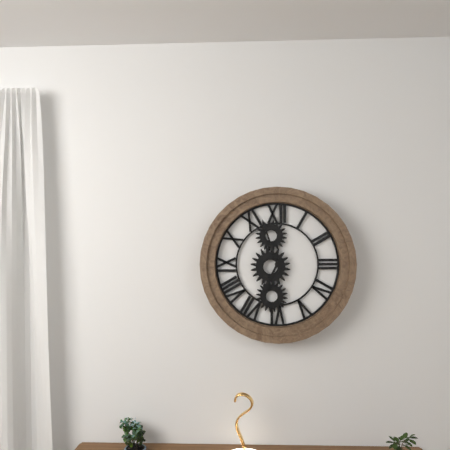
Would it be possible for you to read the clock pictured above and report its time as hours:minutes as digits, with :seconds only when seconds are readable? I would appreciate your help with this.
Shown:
6:57
